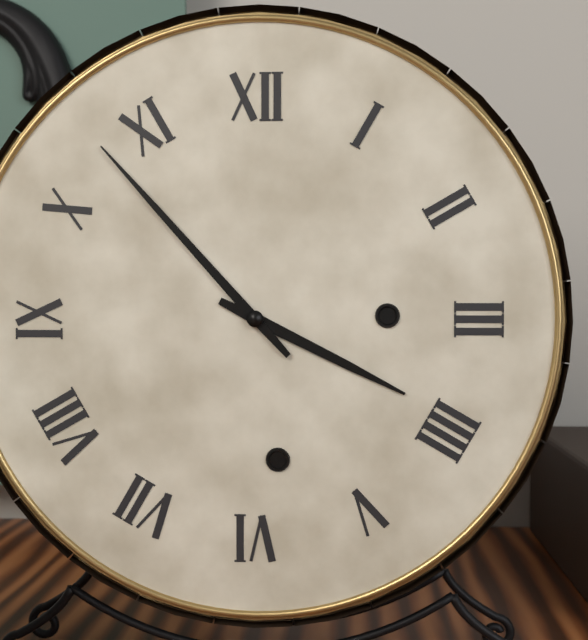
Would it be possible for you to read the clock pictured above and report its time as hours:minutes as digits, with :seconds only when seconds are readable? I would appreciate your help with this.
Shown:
3:53
